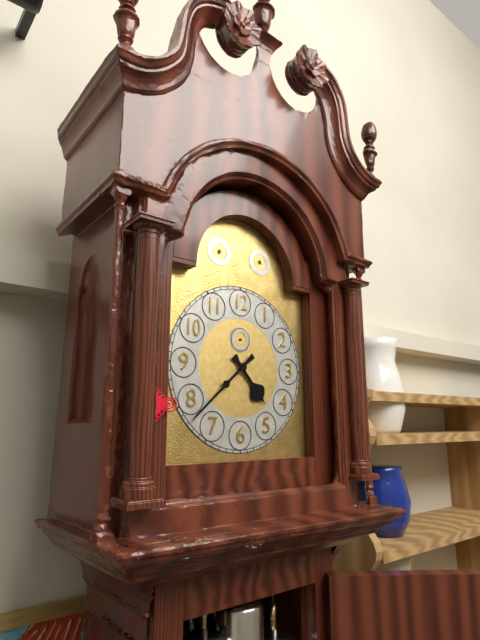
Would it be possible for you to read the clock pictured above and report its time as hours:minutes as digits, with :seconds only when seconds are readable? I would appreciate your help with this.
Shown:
4:38
